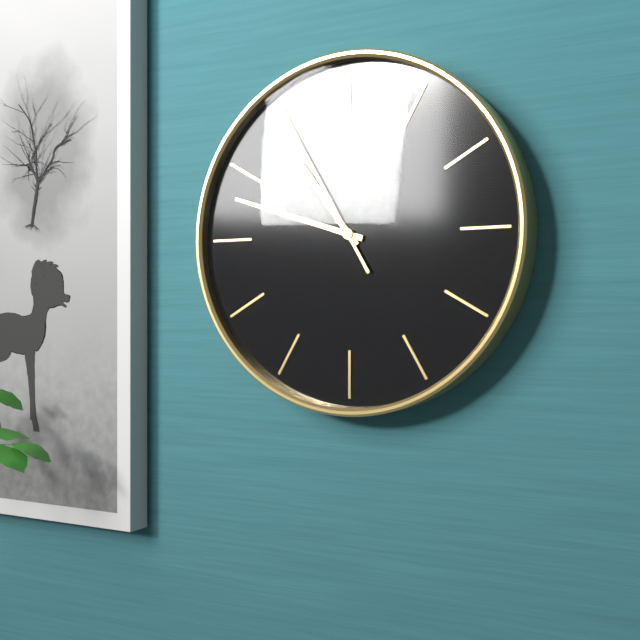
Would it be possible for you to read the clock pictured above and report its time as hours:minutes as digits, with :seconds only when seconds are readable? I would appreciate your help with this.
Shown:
10:48:55
